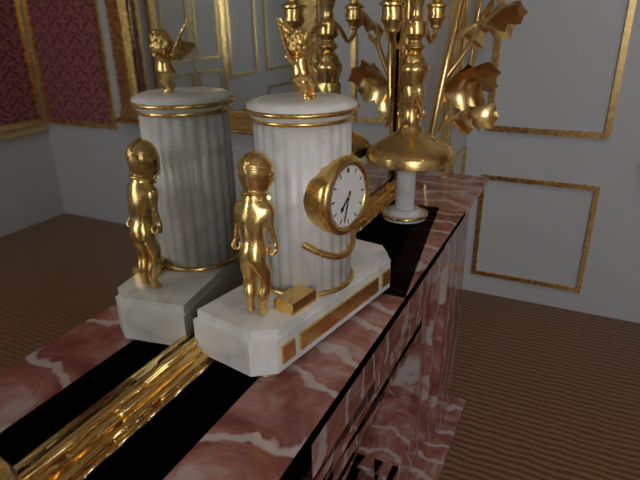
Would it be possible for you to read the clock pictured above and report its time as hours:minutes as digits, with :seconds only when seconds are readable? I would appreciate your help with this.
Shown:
7:33
